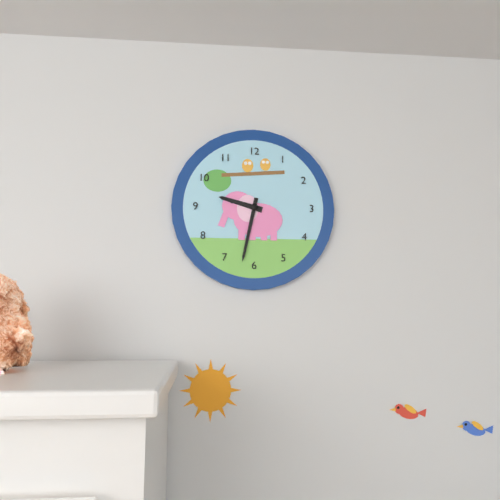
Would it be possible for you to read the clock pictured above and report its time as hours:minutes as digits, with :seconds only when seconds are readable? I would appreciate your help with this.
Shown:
9:32
